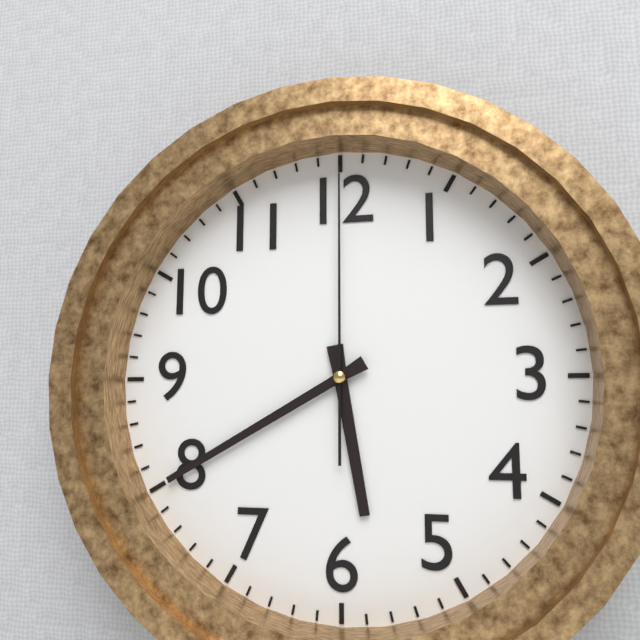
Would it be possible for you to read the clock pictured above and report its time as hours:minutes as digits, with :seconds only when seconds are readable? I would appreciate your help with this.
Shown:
5:40:00
